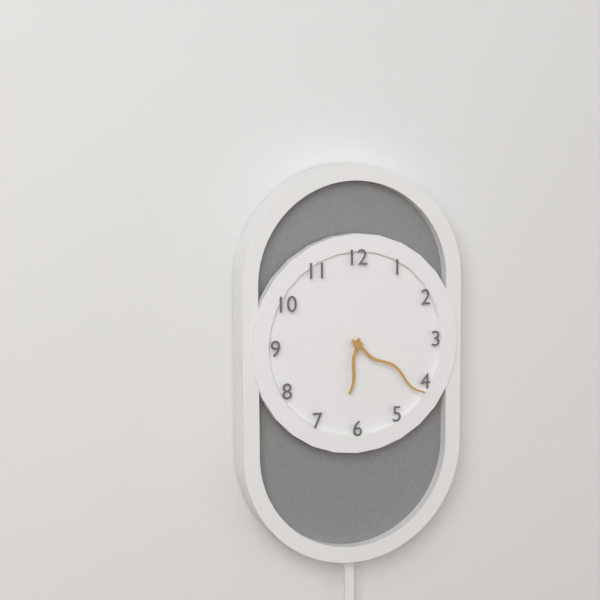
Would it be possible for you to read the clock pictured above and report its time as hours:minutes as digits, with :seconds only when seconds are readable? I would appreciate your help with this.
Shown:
6:21
